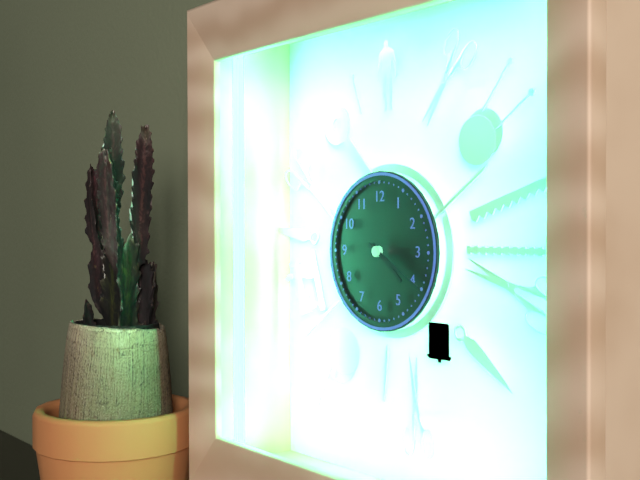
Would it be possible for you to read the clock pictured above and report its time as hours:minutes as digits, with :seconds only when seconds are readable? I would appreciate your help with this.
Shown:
4:20
